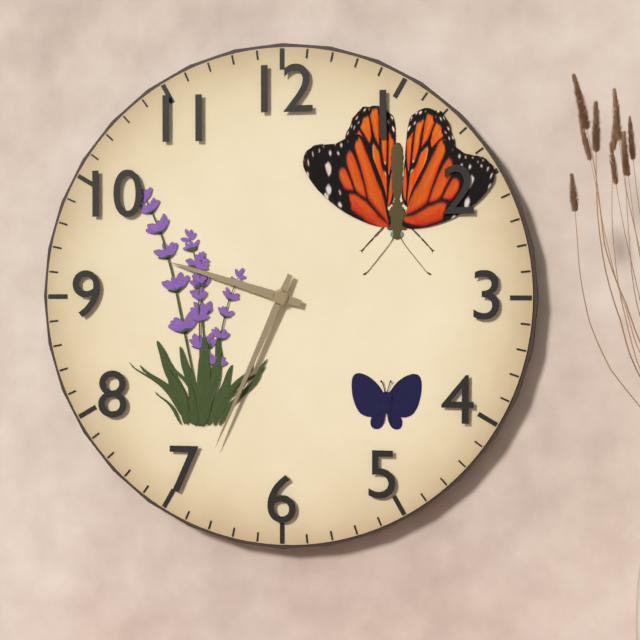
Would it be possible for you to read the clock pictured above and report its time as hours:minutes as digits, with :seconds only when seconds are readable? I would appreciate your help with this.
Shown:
9:34
